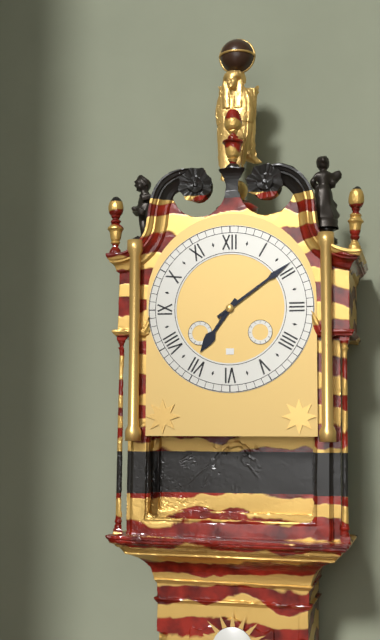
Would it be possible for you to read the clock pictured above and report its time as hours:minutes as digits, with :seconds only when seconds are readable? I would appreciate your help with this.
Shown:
7:09
